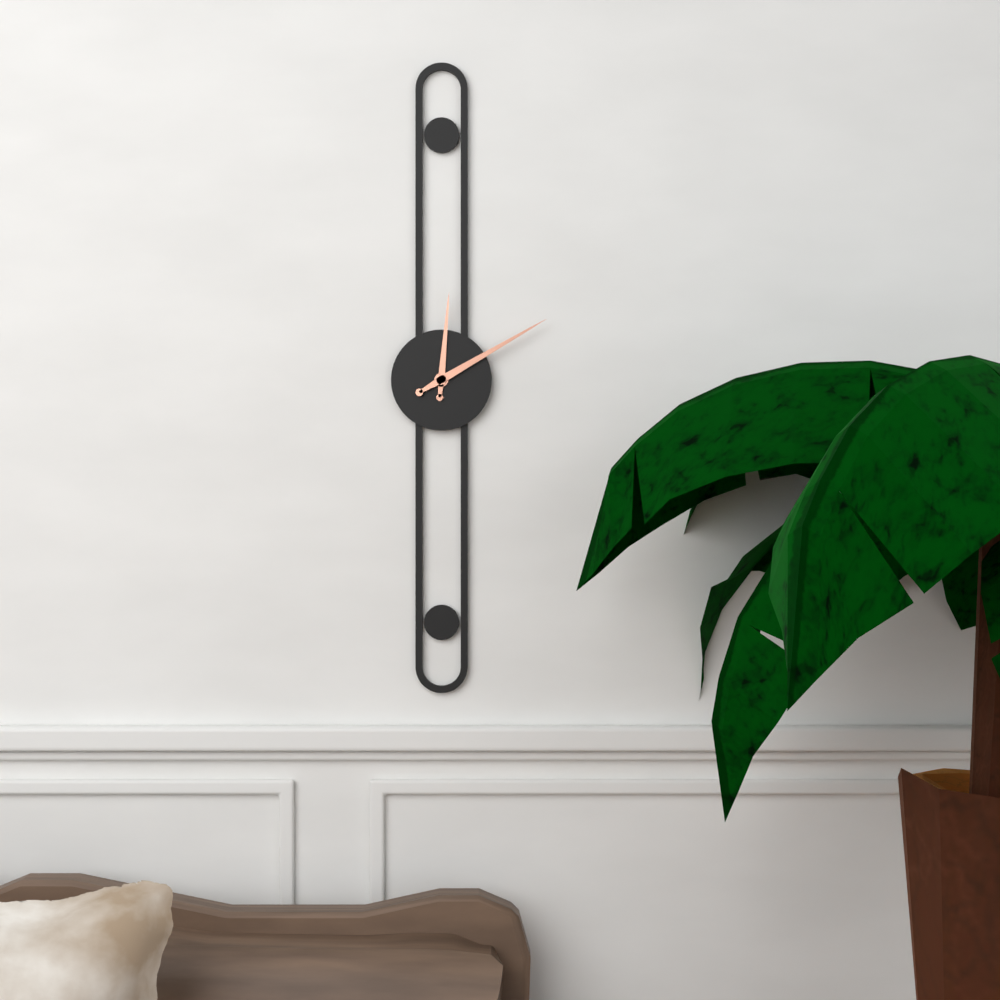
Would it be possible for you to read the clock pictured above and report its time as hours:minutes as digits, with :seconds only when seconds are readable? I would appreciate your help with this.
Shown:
12:10
